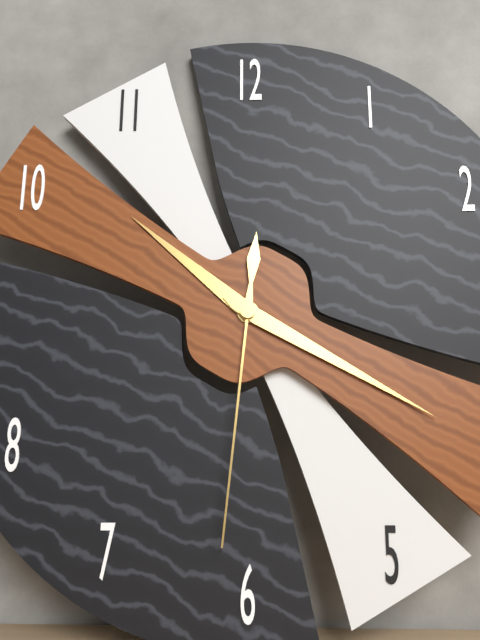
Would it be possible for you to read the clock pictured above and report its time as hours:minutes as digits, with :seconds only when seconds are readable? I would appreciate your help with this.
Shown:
10:20:31
